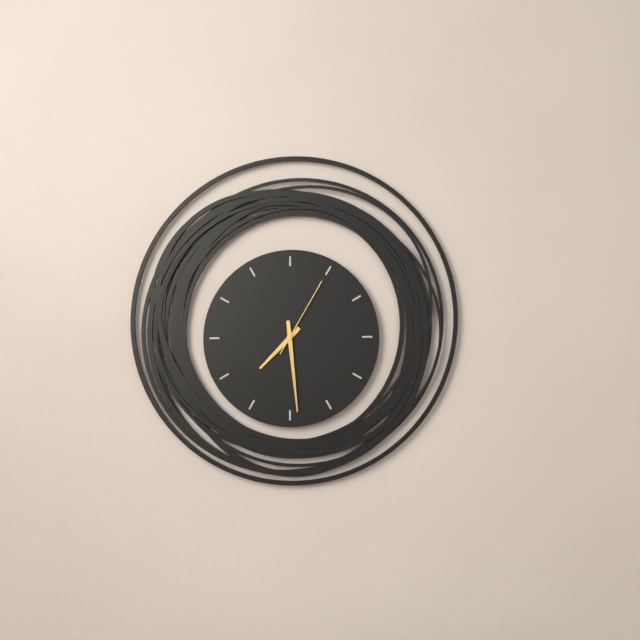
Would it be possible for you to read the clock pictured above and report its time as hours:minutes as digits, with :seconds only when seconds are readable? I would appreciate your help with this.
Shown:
7:29:05
